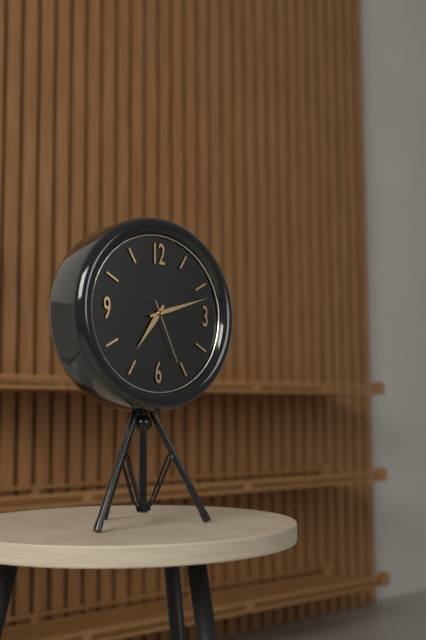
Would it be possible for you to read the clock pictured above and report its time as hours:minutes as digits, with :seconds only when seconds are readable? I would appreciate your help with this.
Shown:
7:12:26
